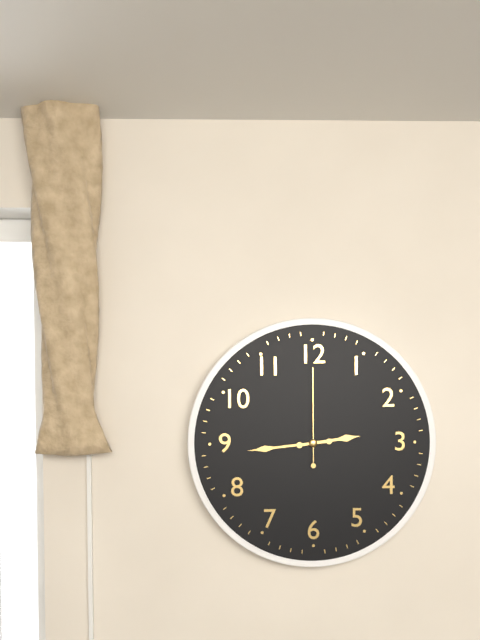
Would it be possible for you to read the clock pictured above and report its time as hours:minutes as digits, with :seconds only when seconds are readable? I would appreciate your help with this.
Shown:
2:44:00
